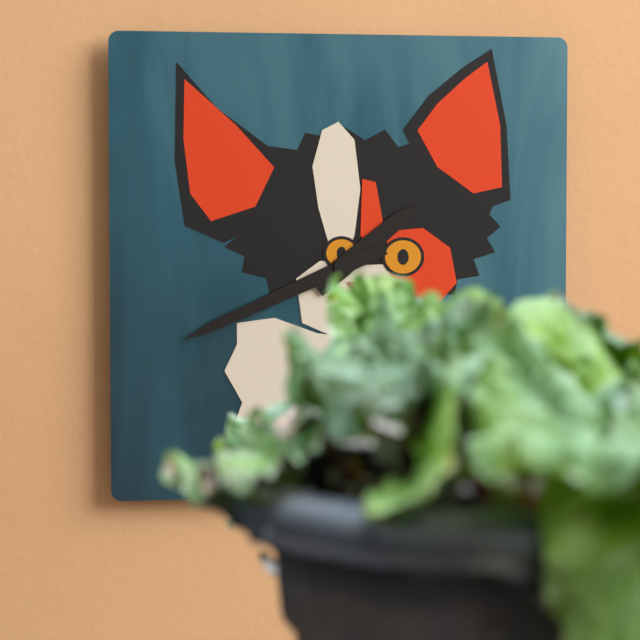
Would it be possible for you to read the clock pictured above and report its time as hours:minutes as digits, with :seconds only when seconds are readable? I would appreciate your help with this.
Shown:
1:41
